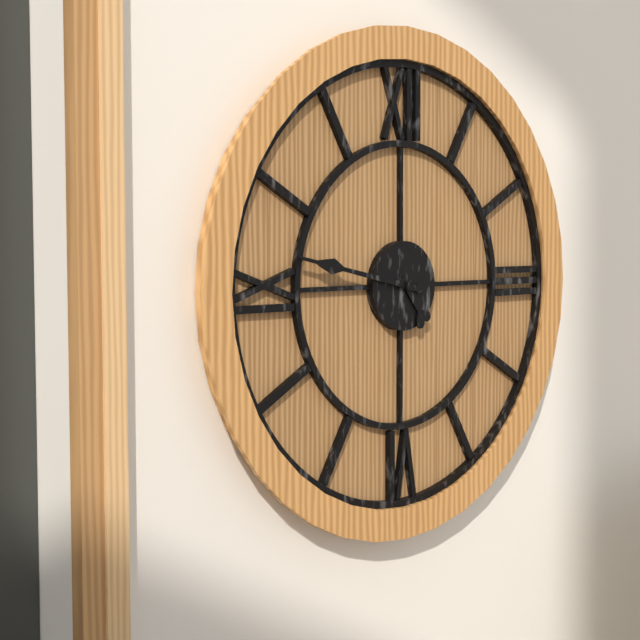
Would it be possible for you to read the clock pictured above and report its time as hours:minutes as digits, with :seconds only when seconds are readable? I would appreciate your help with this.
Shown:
4:47
